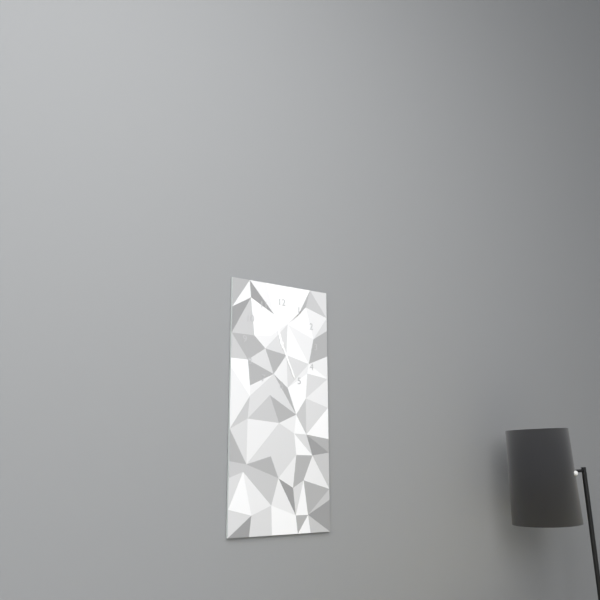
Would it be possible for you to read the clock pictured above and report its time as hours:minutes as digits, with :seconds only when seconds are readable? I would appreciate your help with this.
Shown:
11:26
